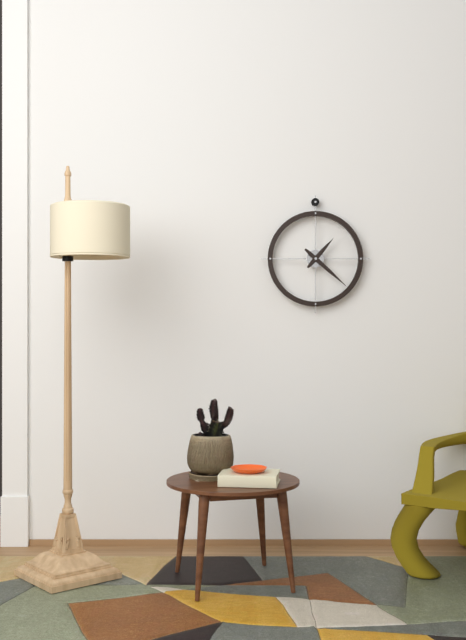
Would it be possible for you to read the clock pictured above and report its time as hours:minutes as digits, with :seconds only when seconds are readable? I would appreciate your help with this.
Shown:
1:22
